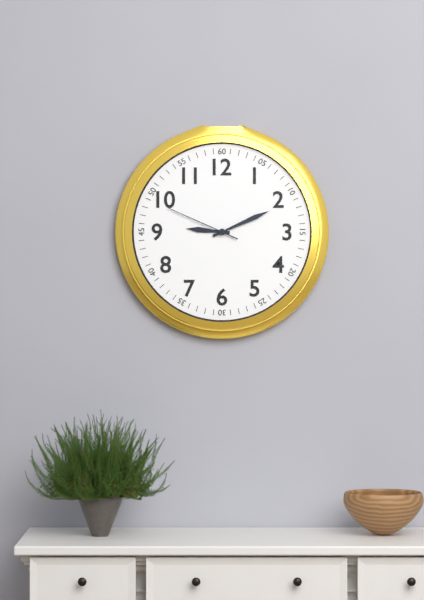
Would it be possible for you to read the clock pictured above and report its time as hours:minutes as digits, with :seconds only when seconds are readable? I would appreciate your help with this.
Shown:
9:11:49
